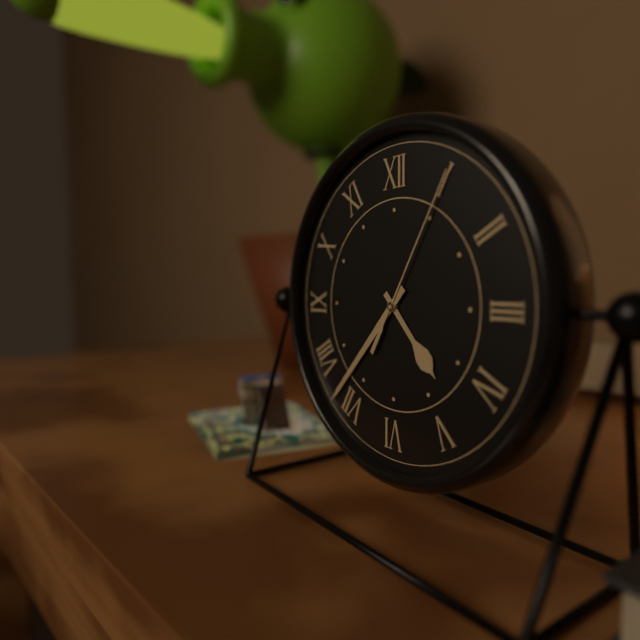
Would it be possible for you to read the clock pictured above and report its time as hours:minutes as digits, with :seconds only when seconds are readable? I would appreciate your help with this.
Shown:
4:37:05
